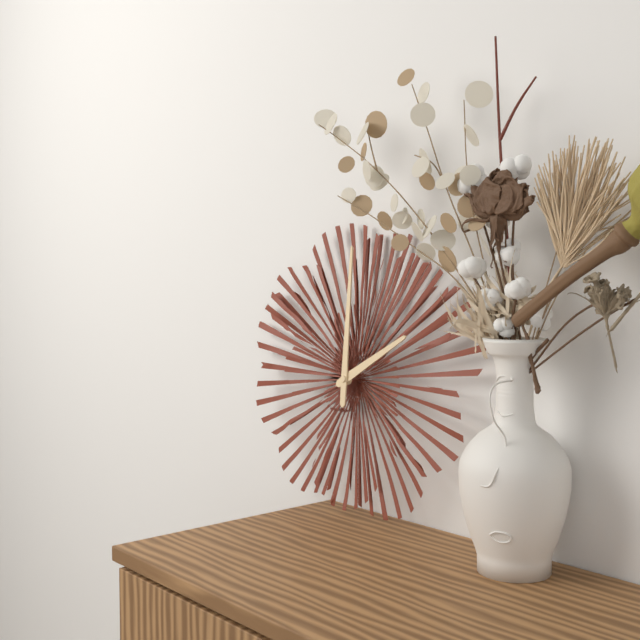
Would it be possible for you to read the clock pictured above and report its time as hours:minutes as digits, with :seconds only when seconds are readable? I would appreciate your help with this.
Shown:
2:00
